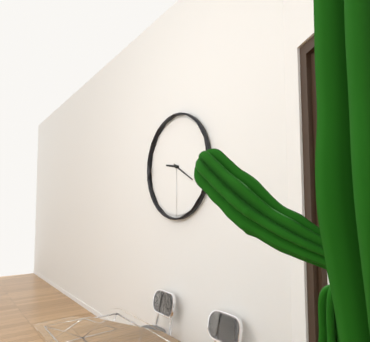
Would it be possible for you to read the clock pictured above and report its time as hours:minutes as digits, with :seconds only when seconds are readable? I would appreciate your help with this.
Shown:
9:20
